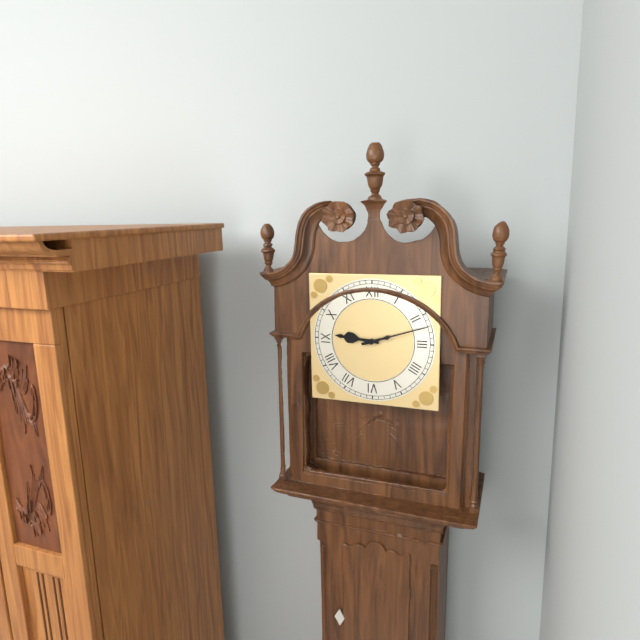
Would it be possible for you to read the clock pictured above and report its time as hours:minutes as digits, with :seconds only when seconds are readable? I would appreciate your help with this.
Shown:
9:12
